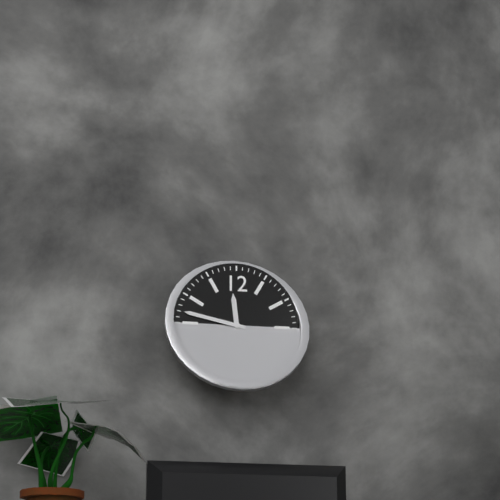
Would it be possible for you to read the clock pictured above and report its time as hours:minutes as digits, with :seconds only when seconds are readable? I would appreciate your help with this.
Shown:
11:47
